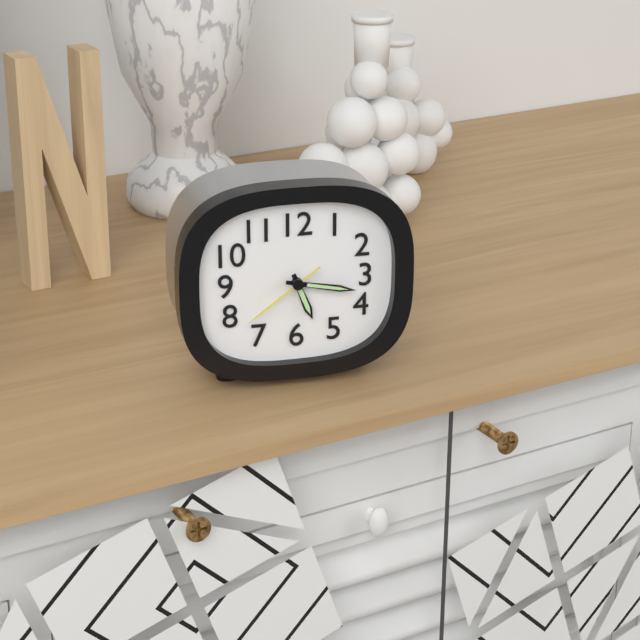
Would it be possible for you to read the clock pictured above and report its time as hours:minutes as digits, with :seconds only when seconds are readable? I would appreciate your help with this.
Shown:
5:17:39
